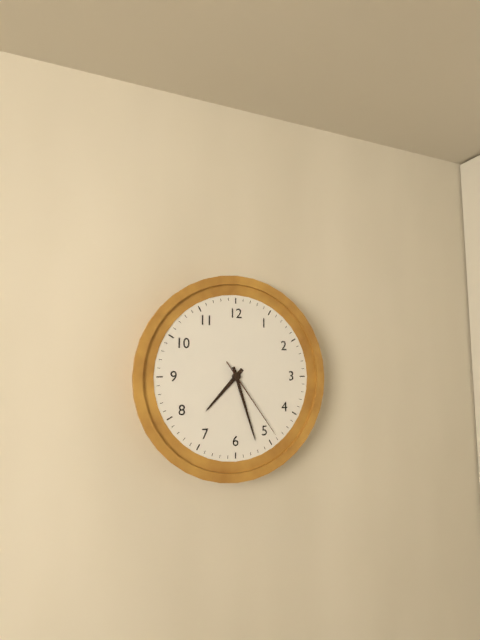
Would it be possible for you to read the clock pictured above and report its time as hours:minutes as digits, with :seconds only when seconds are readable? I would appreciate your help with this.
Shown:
7:27:24
